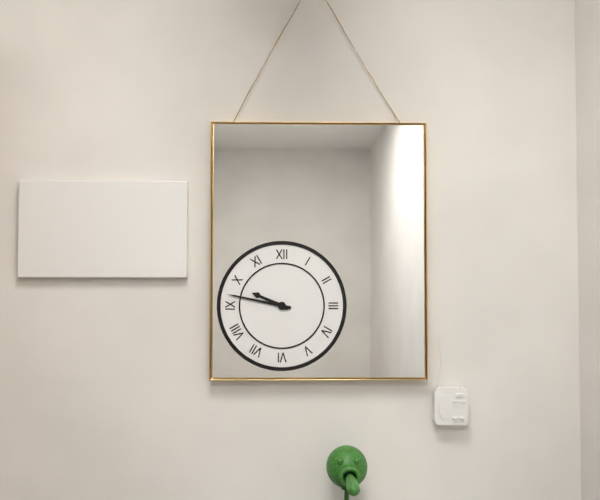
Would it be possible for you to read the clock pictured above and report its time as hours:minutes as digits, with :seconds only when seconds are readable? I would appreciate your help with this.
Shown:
9:47
